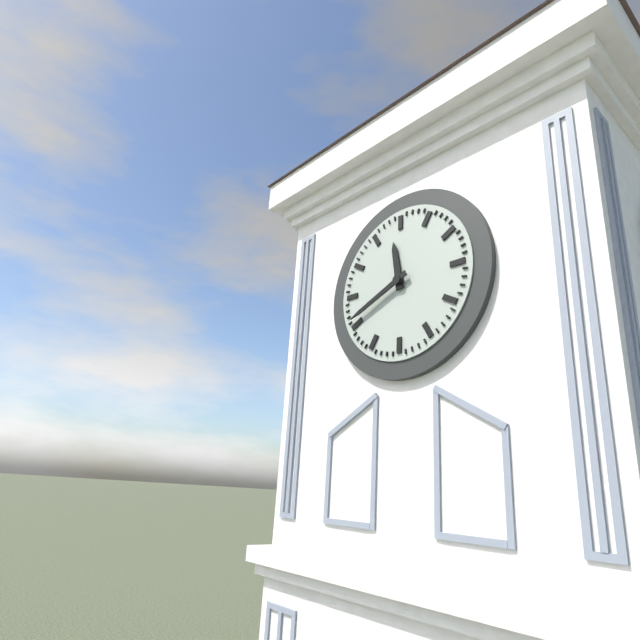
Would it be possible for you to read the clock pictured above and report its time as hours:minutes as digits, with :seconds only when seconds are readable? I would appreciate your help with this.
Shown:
11:41
